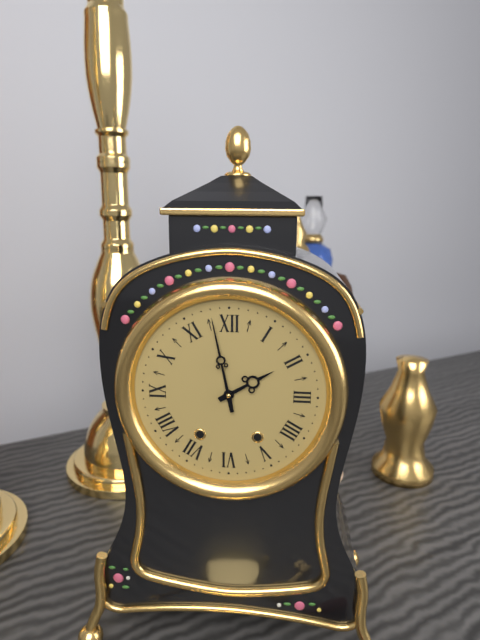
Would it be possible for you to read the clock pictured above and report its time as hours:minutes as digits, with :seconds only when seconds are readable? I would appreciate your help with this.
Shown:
1:58
